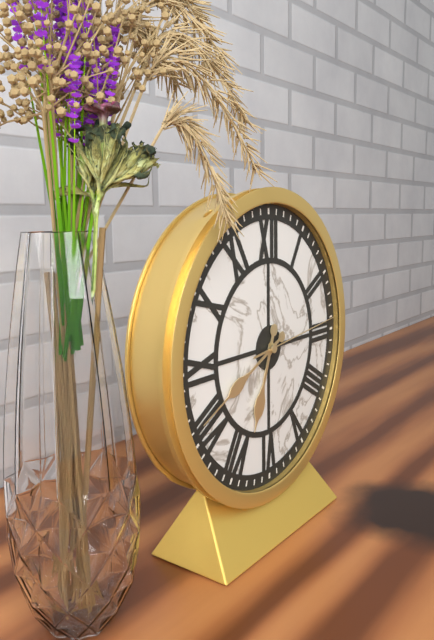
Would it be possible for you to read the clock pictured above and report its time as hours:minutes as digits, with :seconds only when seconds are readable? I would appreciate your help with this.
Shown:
6:41:14
